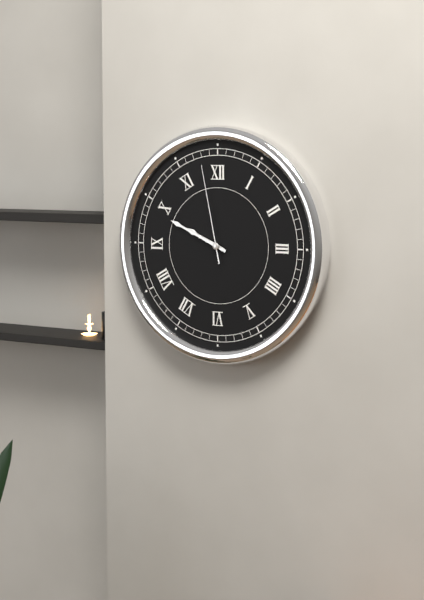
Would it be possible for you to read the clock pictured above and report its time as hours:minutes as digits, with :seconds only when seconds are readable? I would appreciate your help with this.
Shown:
9:49:58
